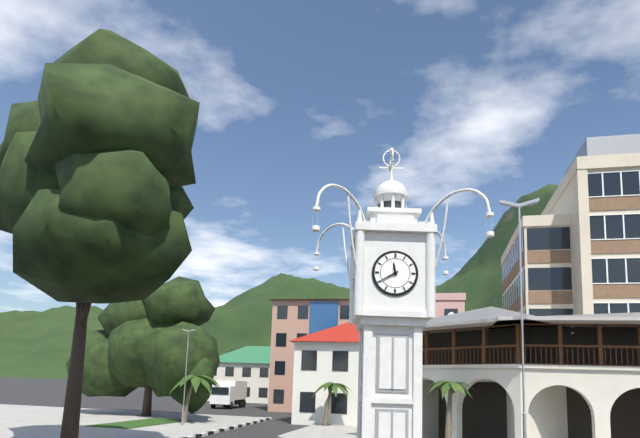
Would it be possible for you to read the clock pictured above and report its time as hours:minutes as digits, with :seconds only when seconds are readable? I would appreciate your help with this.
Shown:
11:40
